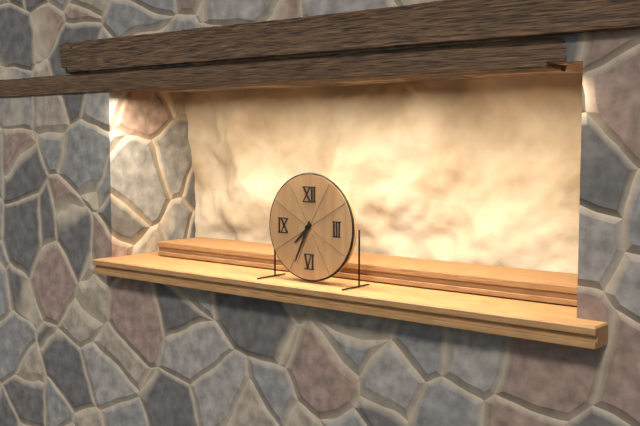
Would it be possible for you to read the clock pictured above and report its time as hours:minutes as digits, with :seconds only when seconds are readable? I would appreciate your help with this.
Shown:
7:34
